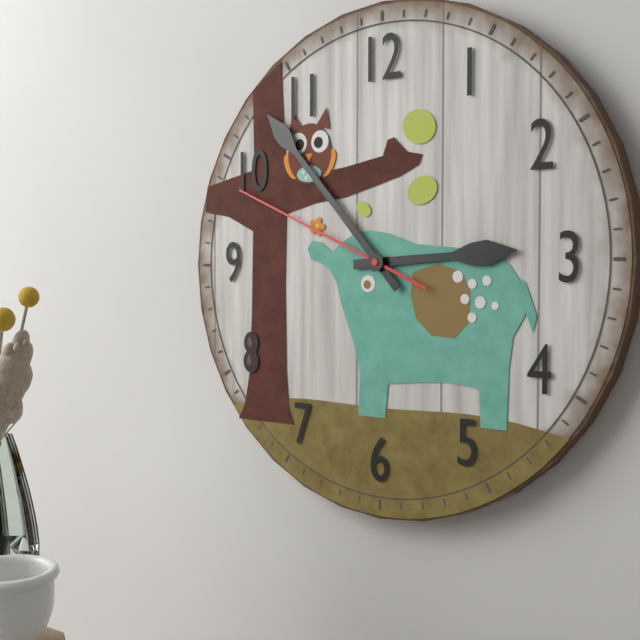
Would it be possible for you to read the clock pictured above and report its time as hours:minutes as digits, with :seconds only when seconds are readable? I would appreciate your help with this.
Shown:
2:53:49
